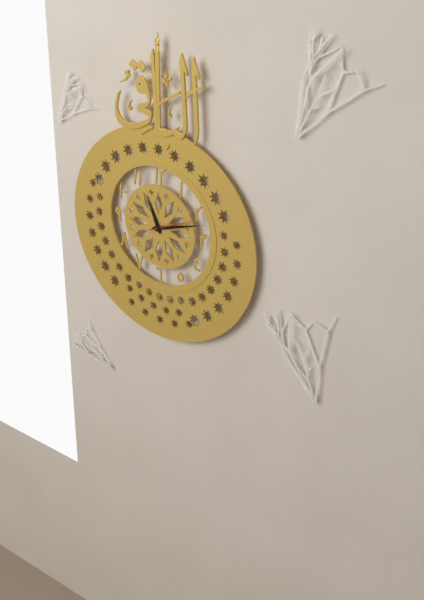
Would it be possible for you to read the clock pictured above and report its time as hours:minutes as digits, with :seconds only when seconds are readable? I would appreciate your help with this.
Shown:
11:12
